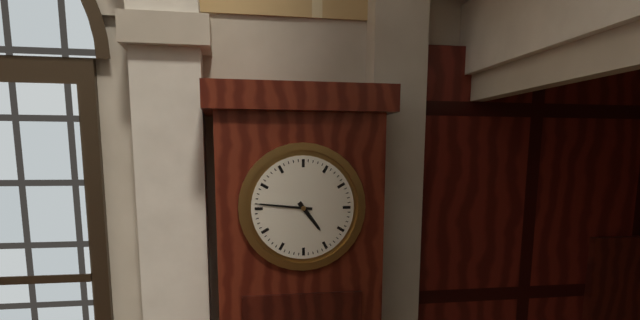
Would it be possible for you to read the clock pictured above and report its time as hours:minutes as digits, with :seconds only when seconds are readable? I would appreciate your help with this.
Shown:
4:46
